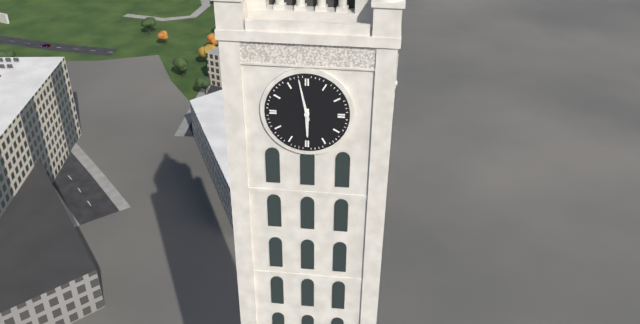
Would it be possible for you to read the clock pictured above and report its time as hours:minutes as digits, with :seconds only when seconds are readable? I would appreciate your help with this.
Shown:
5:58
